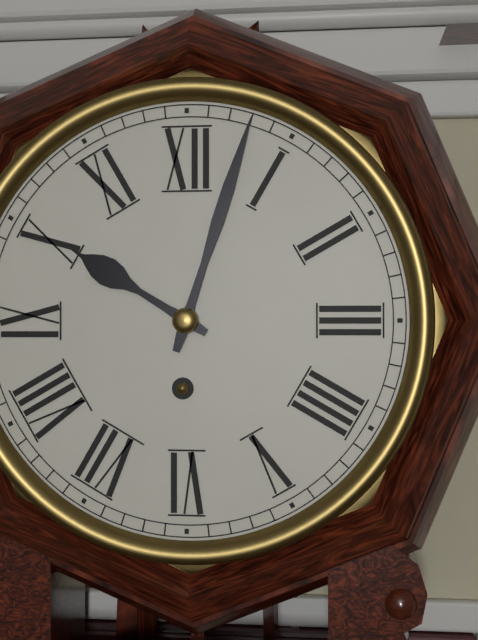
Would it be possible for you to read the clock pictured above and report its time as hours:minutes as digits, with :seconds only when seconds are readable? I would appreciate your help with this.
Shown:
10:03
